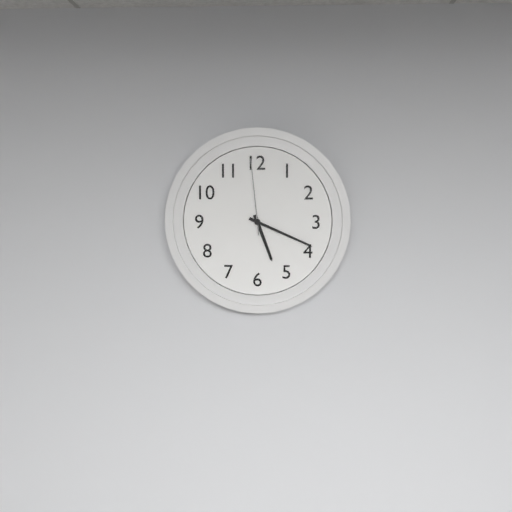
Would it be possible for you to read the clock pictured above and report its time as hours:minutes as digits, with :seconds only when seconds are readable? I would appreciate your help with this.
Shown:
5:19:59
